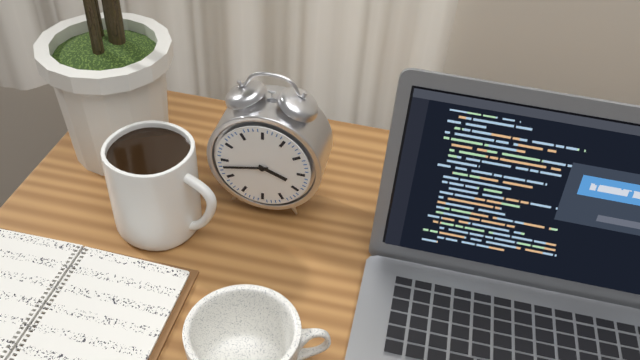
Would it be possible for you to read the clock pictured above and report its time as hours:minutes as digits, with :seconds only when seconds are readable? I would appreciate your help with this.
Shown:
3:43
